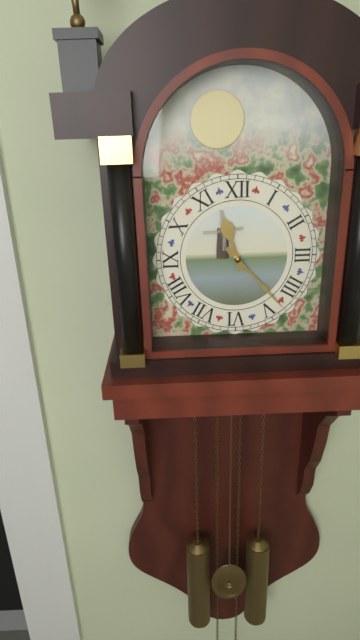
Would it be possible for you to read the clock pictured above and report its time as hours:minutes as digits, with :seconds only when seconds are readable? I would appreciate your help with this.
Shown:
11:23
